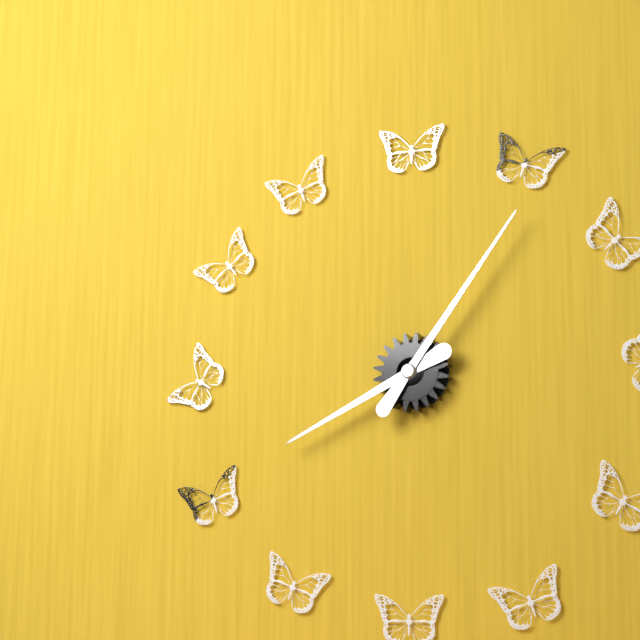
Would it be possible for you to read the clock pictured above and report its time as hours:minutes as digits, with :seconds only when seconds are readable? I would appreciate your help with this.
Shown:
8:06
